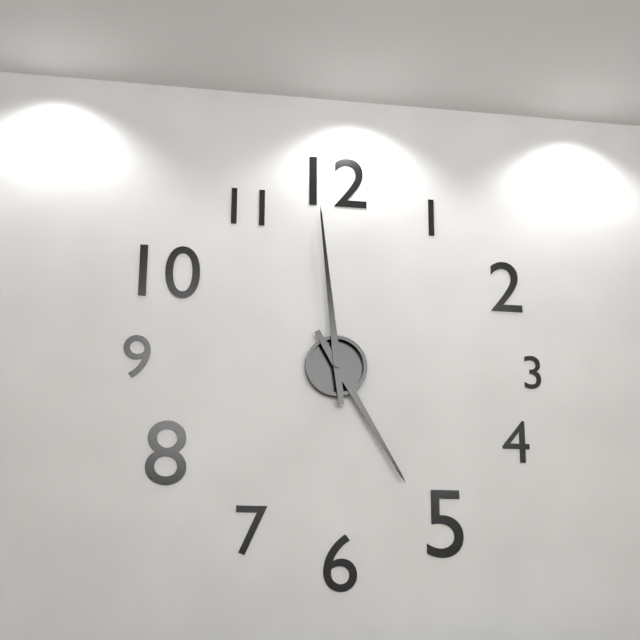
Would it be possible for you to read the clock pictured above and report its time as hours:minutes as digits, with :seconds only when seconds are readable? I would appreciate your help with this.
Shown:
4:59
